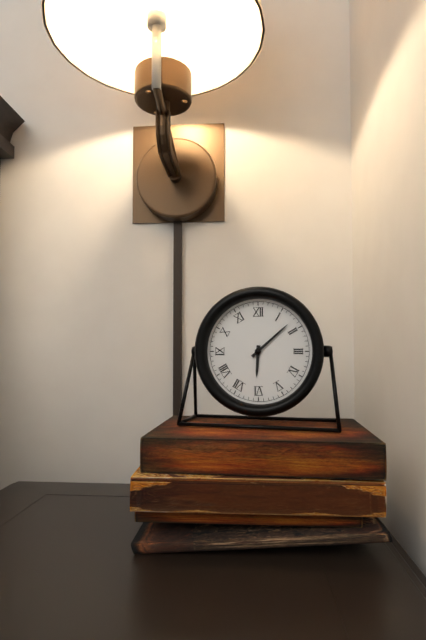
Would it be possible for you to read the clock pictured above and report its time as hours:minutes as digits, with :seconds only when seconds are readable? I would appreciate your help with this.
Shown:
6:08
